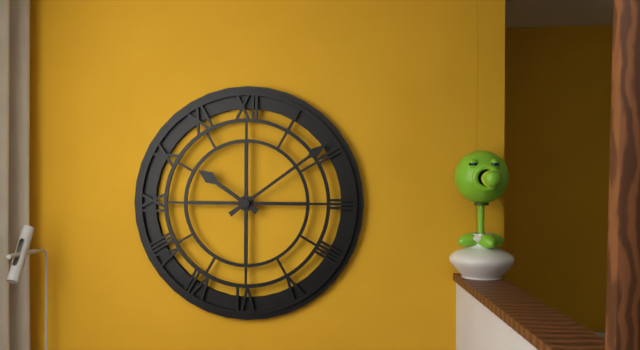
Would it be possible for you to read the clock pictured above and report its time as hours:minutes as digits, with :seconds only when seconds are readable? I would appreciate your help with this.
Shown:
10:09
